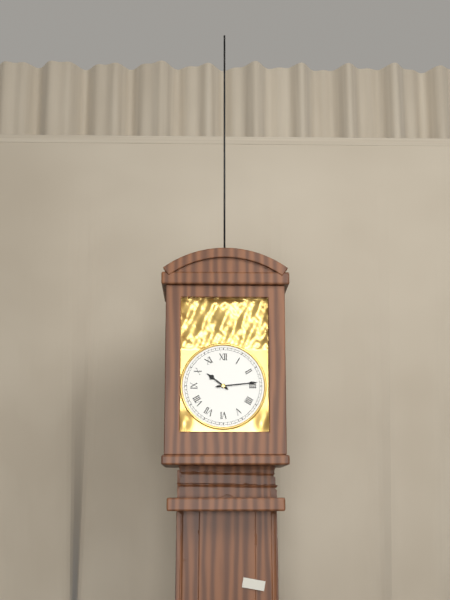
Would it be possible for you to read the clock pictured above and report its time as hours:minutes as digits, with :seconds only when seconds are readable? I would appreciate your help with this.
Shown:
10:14
